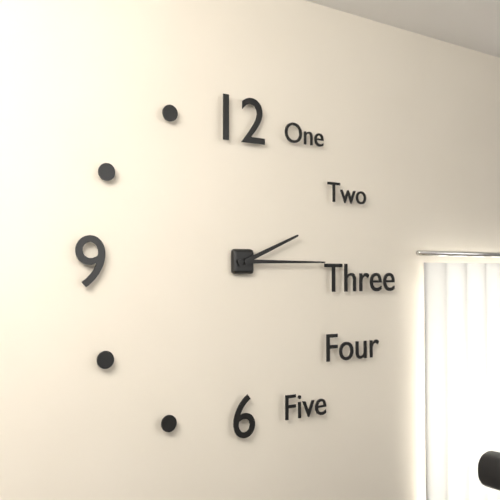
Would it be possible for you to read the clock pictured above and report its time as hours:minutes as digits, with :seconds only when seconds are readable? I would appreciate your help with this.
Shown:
2:15
